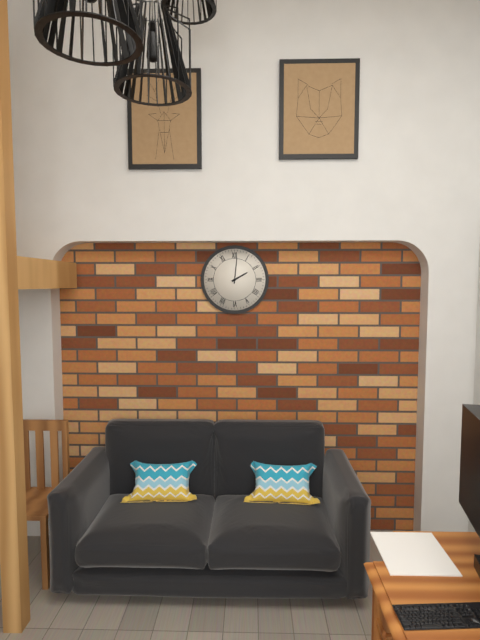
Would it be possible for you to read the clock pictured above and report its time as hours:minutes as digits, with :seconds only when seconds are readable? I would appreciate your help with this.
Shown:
2:01
